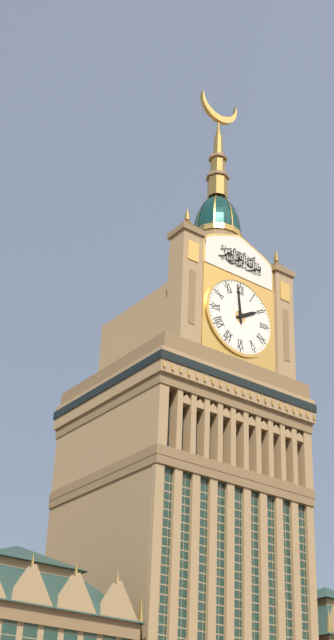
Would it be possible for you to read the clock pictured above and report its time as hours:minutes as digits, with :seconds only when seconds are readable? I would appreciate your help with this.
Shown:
1:59
